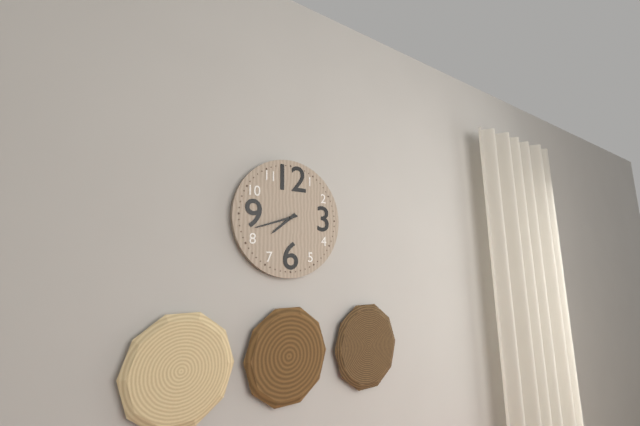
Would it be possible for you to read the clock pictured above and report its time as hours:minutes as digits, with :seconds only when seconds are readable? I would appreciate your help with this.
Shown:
7:42
